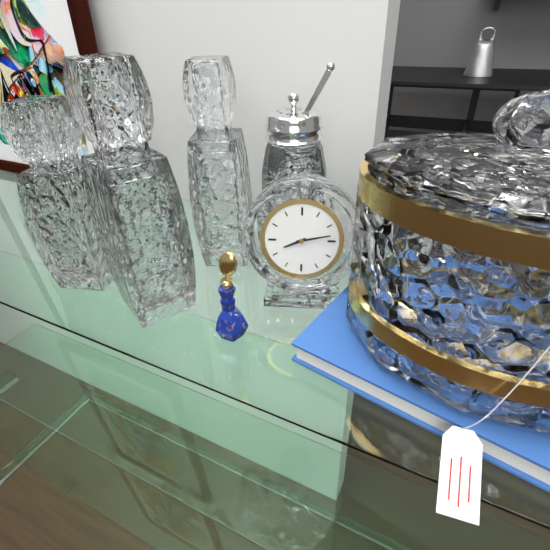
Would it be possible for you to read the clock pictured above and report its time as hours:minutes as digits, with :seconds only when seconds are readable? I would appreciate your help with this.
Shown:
8:13
